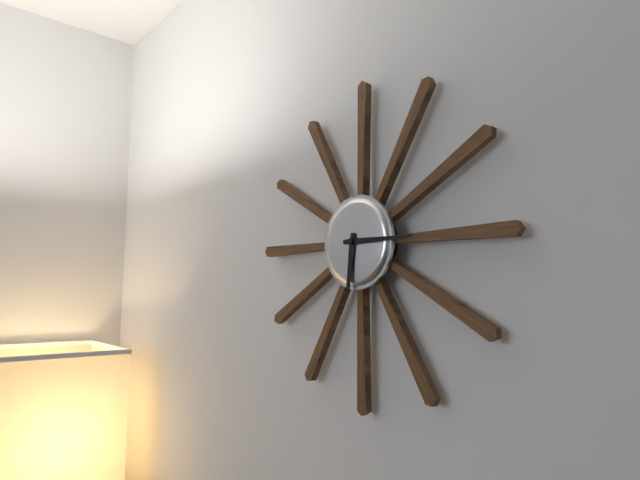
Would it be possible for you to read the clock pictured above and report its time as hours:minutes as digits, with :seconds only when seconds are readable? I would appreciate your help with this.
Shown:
6:15
